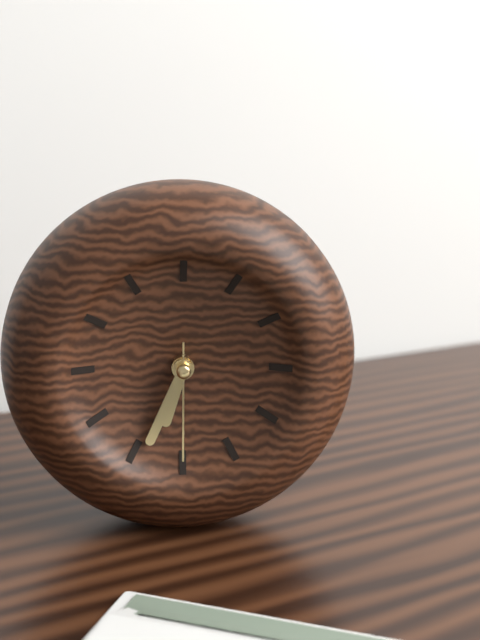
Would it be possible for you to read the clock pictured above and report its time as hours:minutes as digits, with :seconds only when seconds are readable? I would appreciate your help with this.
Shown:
6:34:30
